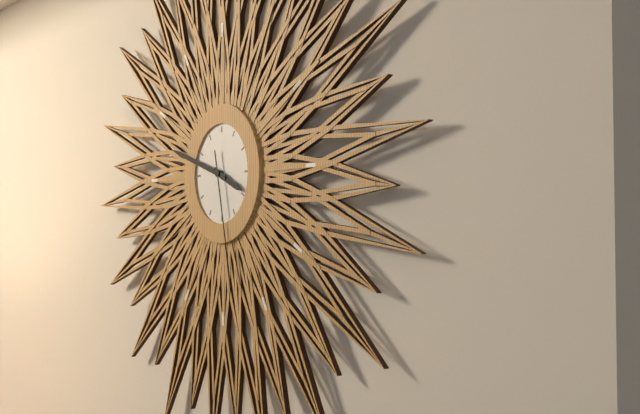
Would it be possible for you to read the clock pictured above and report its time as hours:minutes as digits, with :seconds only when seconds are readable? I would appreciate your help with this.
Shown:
3:48:28
